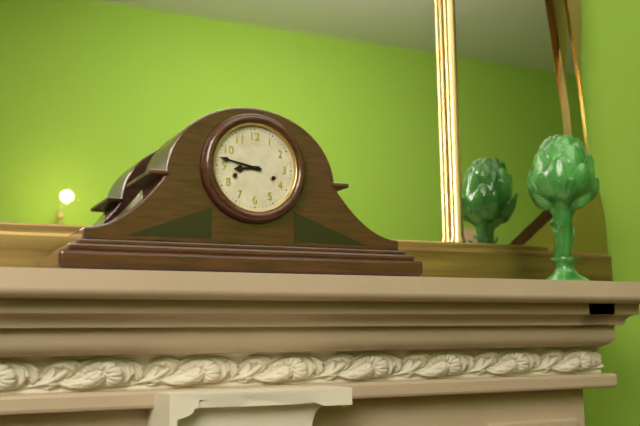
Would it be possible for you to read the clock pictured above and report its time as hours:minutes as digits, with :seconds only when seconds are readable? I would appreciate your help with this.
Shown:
8:47
